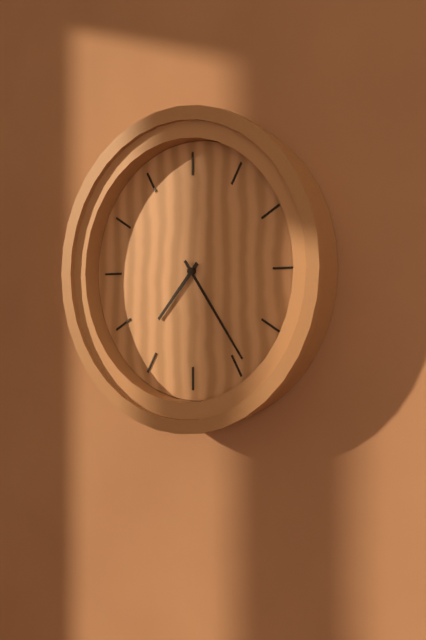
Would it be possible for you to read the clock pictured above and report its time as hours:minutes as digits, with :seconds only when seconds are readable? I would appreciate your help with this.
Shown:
7:24
